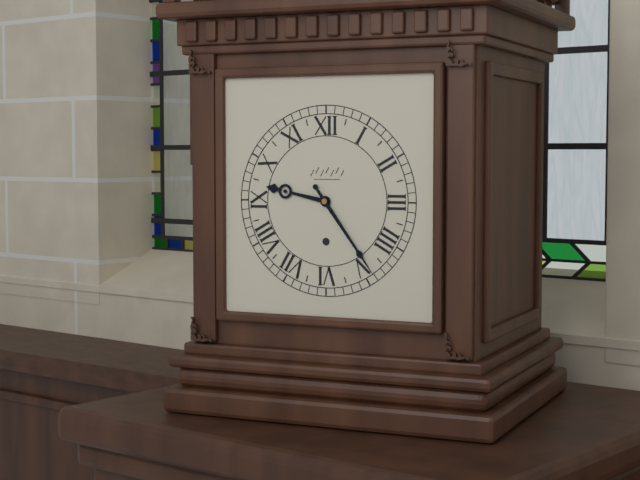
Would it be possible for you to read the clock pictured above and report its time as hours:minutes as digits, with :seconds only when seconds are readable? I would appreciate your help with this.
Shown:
9:24
